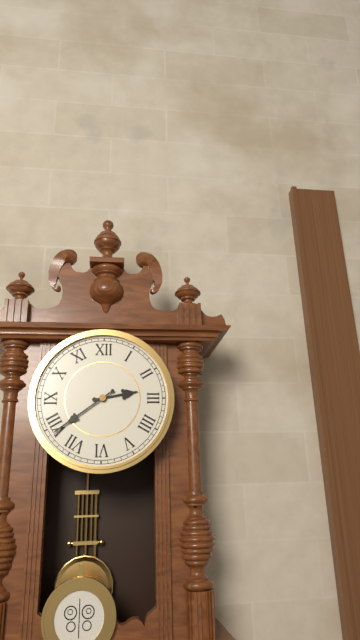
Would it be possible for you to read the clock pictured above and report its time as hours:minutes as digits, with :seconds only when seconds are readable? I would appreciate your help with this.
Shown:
2:39
